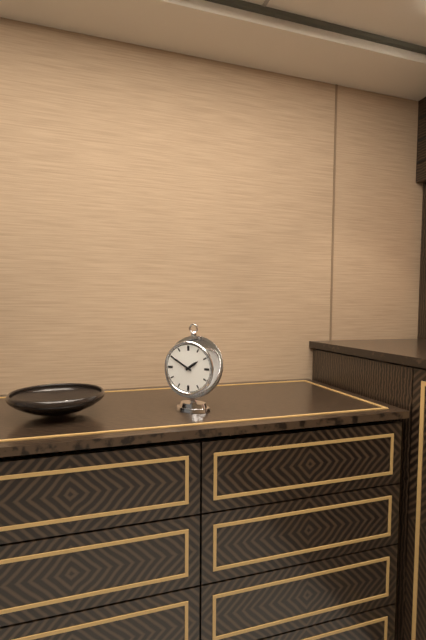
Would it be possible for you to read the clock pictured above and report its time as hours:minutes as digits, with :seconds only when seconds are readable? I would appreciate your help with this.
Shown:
1:50
